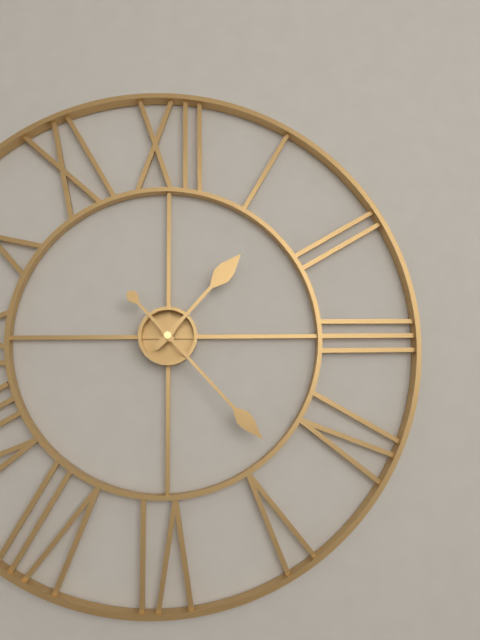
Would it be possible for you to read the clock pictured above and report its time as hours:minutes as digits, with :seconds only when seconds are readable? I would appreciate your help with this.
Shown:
1:23
